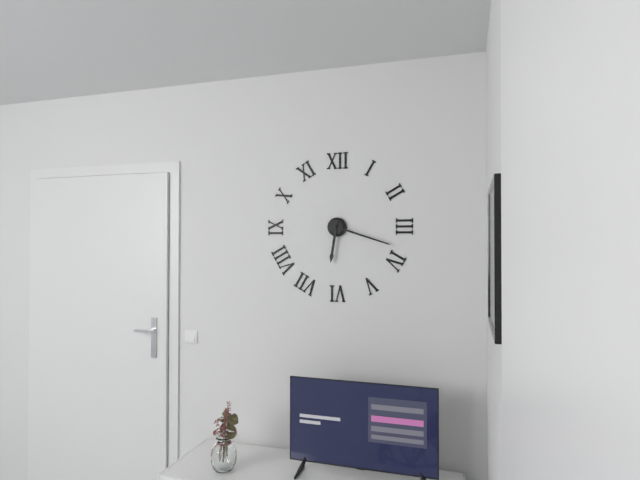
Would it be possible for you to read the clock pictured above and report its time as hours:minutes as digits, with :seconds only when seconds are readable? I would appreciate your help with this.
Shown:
6:18
